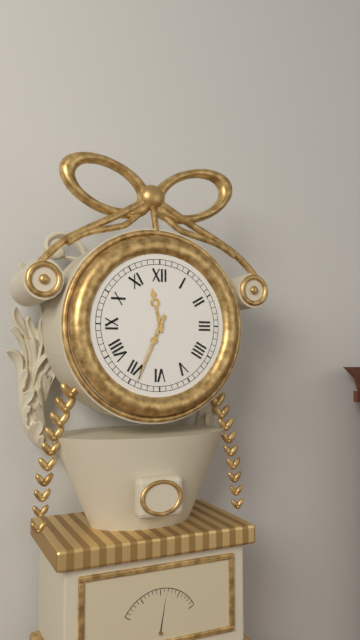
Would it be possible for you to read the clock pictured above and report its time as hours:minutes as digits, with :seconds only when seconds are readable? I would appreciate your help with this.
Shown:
11:34
